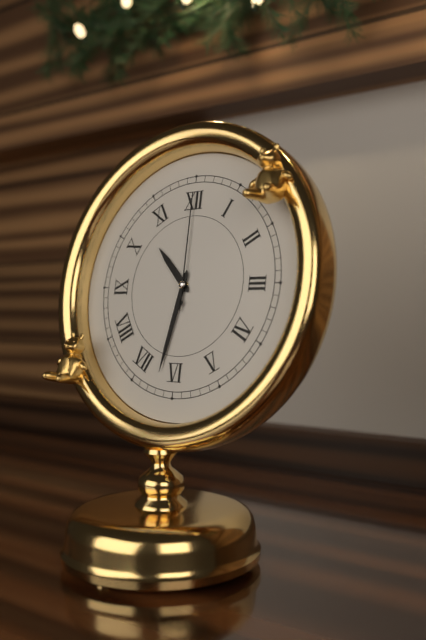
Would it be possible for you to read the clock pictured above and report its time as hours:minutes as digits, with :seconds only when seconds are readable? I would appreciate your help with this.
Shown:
10:32:00
